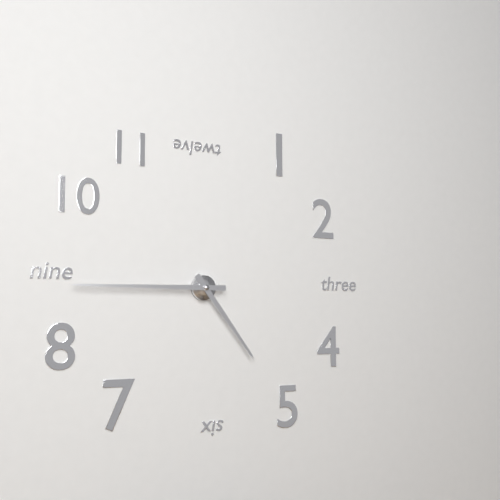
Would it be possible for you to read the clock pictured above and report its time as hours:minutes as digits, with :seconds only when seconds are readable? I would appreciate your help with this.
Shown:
4:45
